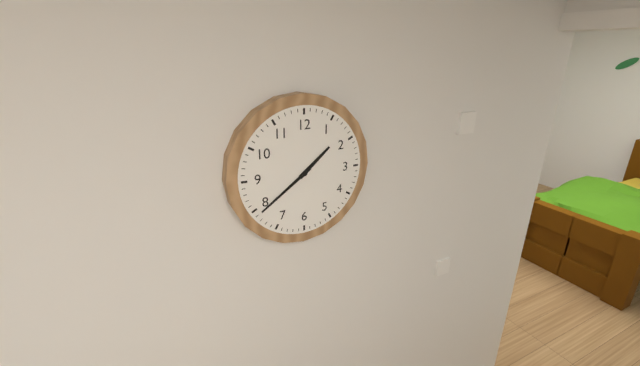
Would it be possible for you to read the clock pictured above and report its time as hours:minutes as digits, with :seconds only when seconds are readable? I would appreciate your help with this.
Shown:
1:39
